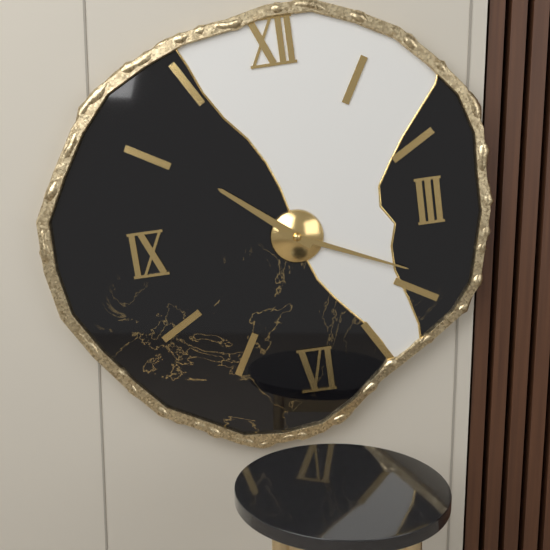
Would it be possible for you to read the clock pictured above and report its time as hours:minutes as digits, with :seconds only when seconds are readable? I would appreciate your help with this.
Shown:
10:19
